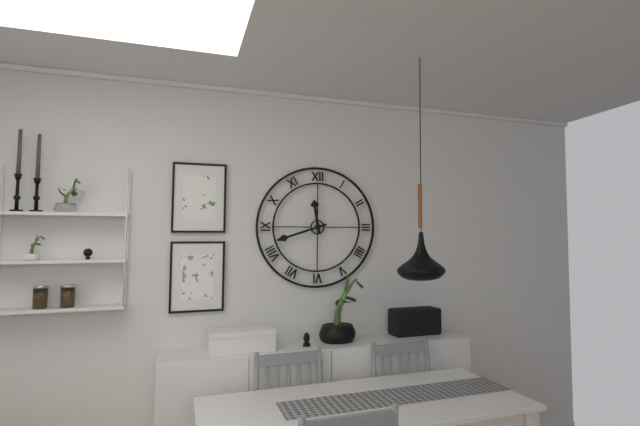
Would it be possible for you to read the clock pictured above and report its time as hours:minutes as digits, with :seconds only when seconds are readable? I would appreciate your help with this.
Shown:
11:42
